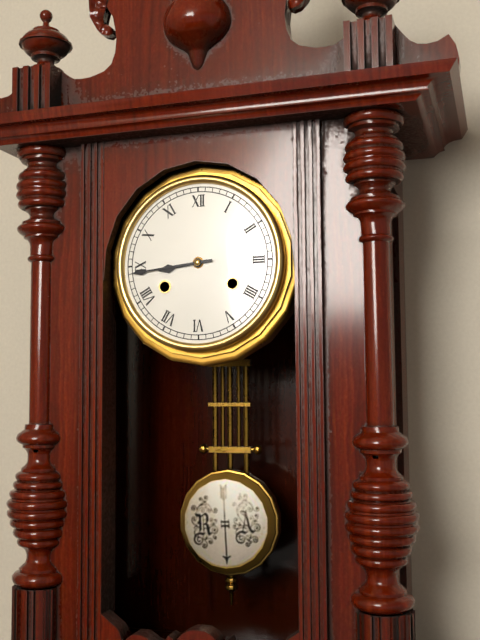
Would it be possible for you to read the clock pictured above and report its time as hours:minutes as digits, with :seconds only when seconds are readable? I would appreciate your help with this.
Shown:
8:44
